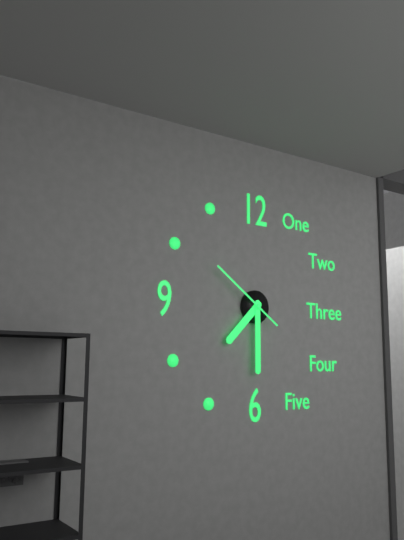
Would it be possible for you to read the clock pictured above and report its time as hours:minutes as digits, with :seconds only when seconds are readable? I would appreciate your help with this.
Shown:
7:30:51
